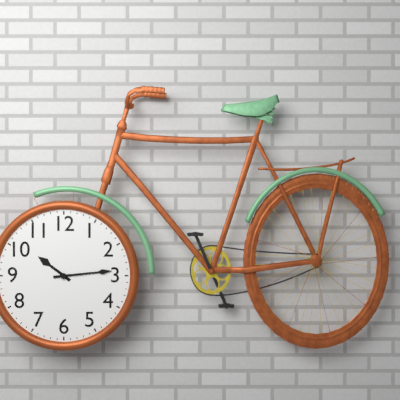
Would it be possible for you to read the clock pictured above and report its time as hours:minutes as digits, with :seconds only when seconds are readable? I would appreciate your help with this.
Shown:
10:14
